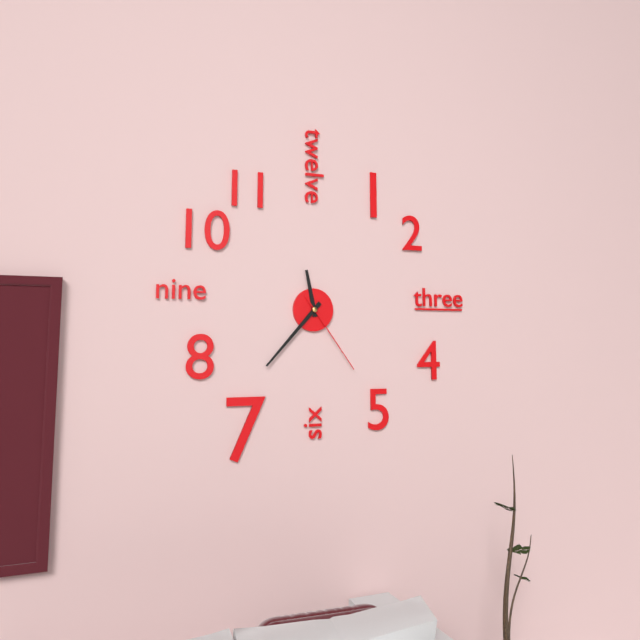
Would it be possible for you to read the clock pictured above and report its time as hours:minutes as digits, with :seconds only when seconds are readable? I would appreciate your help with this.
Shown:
11:37:24
